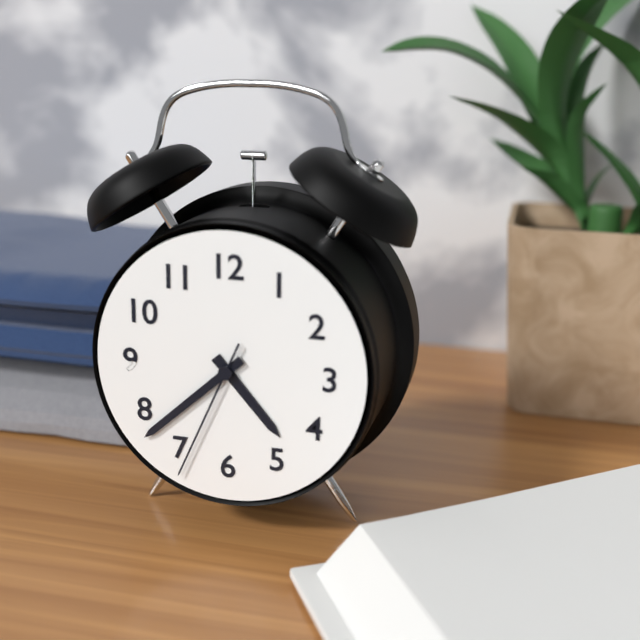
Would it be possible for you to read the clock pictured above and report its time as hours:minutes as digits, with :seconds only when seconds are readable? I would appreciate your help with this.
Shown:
4:38:34
